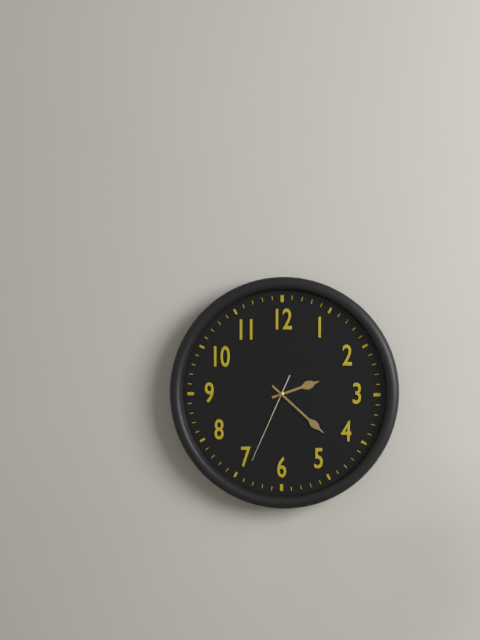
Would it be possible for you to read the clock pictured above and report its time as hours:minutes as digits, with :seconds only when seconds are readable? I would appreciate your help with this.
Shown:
2:22:34
